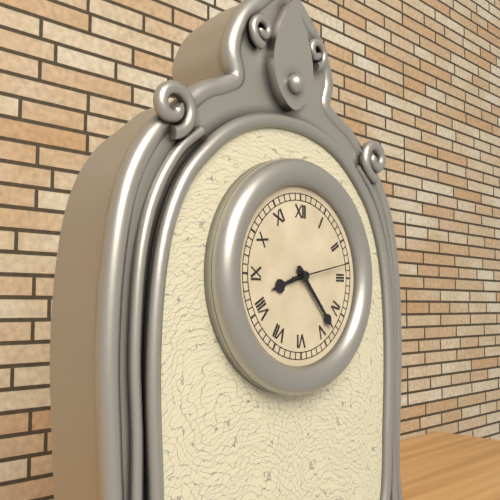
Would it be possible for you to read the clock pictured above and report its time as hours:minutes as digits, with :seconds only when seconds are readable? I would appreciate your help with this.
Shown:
8:23:13
